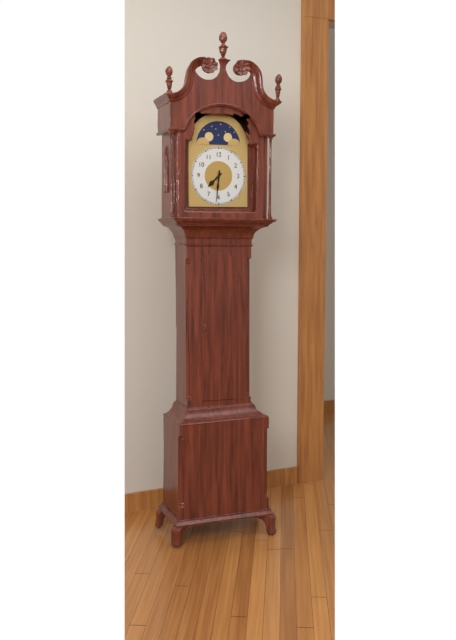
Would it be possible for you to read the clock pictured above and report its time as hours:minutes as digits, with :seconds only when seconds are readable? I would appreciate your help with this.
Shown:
7:31
